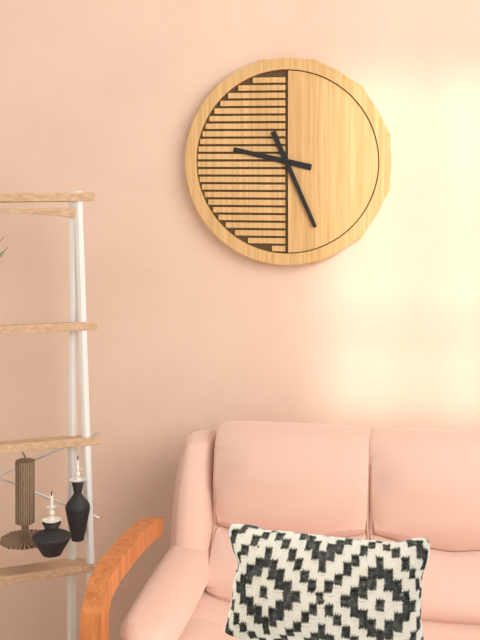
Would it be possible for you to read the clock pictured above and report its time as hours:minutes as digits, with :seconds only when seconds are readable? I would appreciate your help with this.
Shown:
9:26
